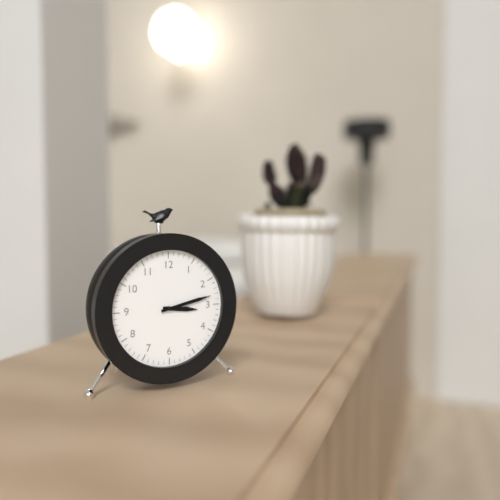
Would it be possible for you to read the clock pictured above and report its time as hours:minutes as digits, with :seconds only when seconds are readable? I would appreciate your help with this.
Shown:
3:13
